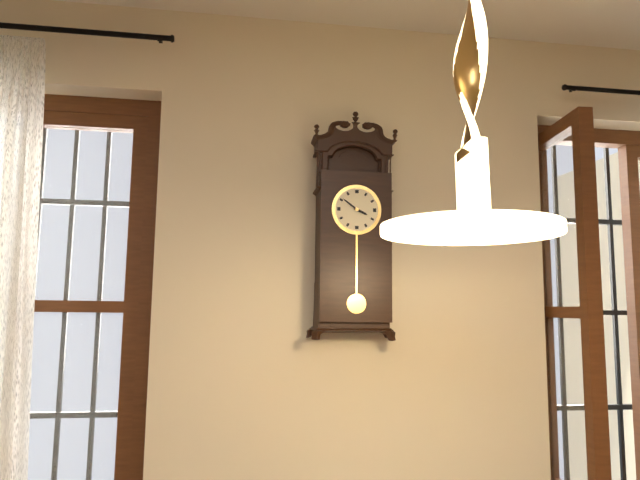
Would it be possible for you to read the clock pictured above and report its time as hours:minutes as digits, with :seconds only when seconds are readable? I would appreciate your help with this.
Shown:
3:51
